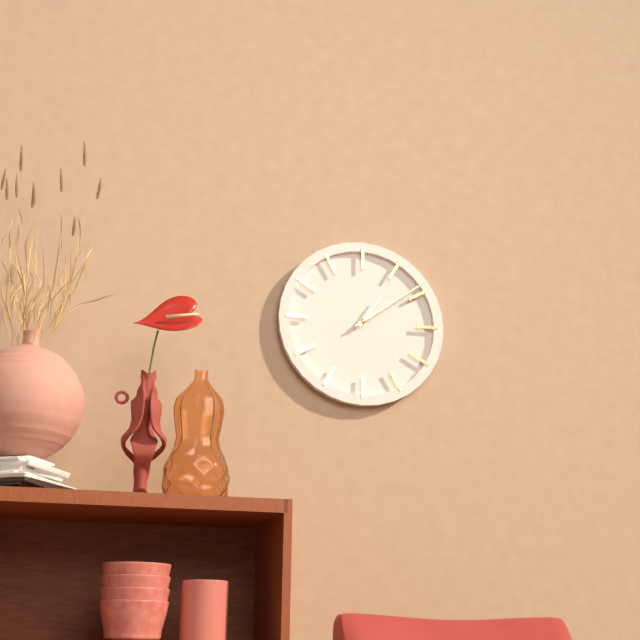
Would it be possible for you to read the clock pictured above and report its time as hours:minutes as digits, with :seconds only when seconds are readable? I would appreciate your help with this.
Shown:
1:09
